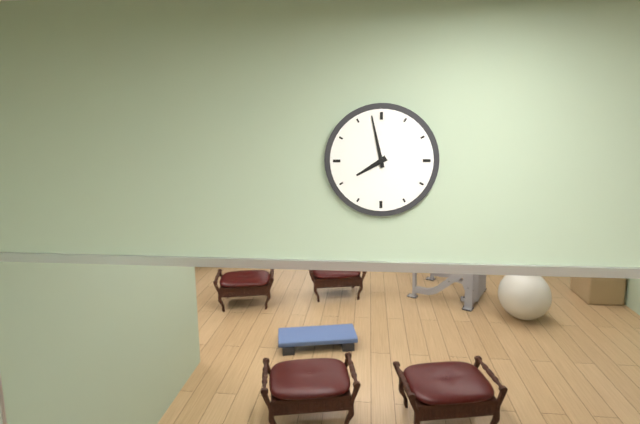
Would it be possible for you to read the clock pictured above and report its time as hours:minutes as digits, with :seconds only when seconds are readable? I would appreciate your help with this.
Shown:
7:58
